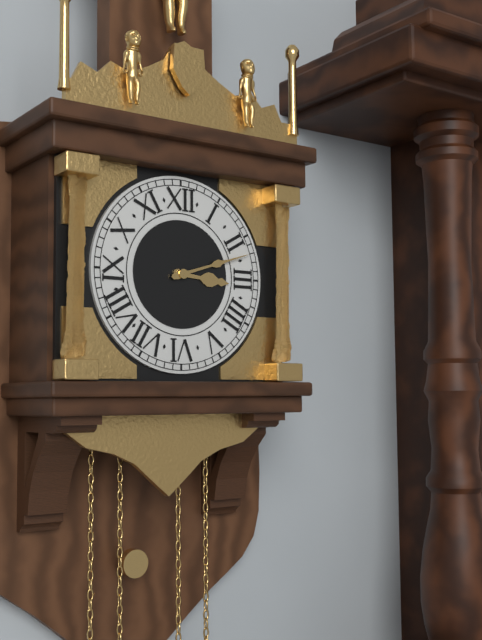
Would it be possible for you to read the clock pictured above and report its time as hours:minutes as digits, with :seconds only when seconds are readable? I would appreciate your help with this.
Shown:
3:12
